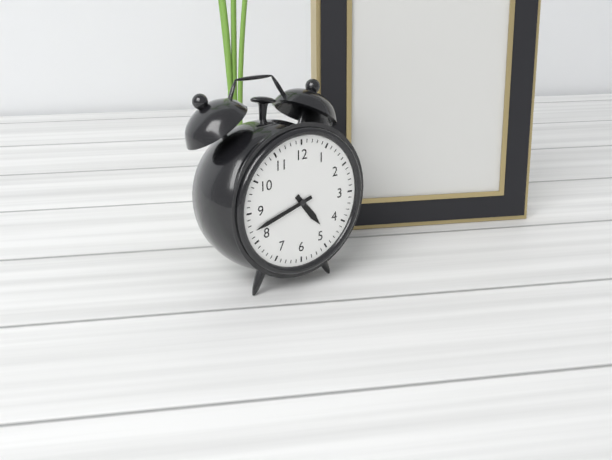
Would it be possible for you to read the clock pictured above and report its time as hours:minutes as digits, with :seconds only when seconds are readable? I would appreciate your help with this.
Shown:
4:42
